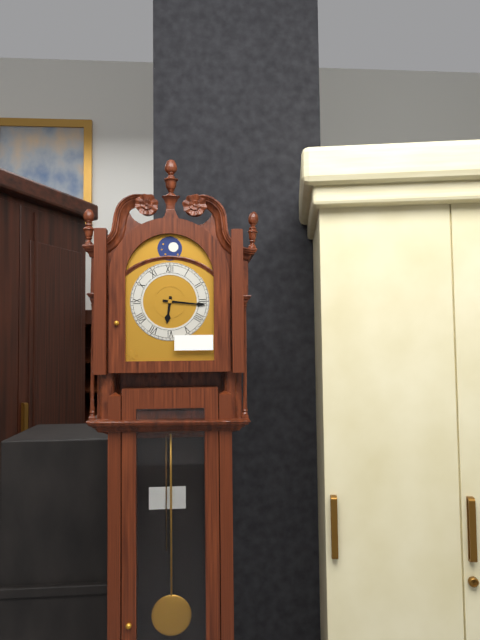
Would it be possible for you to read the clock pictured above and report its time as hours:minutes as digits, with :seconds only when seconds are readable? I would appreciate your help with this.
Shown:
6:16
